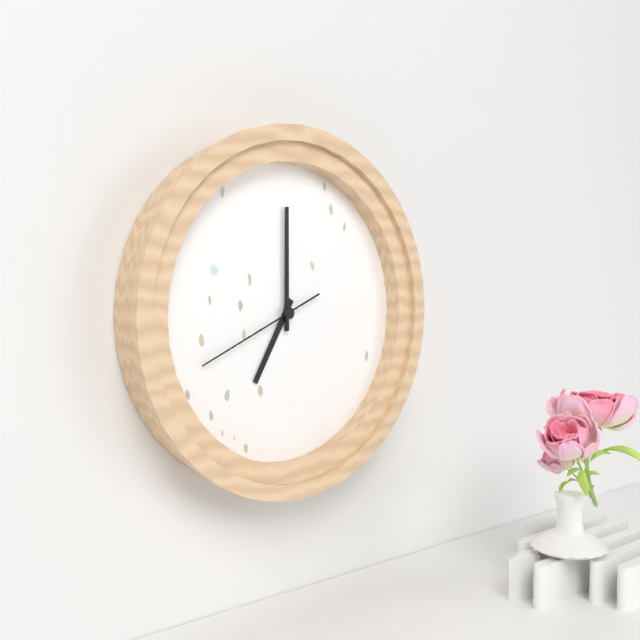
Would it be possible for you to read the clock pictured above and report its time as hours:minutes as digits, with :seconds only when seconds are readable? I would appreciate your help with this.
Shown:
7:00:41
